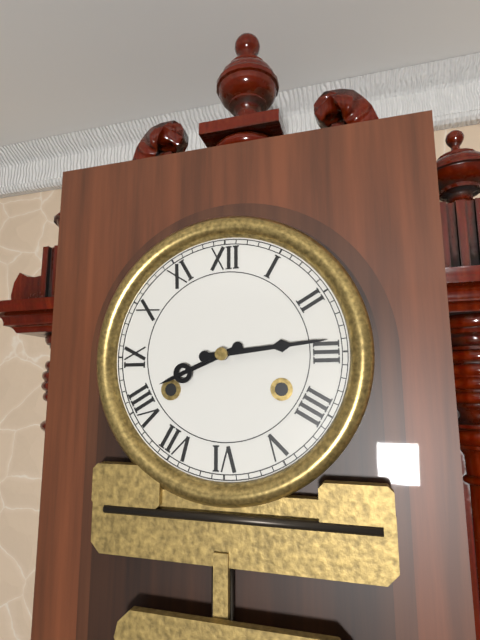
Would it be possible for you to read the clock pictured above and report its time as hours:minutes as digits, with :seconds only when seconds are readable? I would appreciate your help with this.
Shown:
8:14
